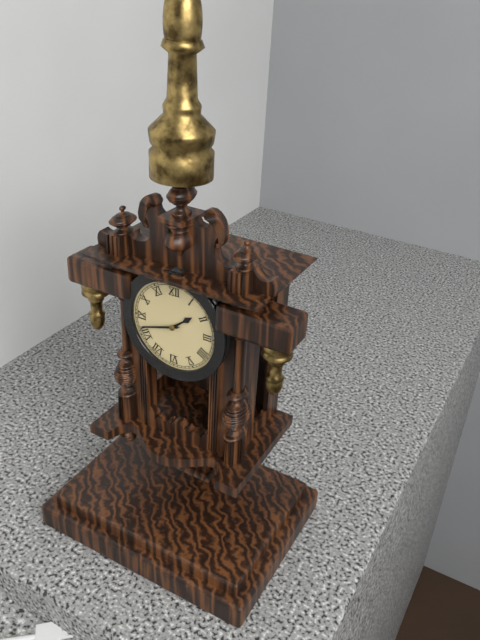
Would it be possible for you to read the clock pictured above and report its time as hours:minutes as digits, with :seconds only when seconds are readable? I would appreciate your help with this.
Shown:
1:42
